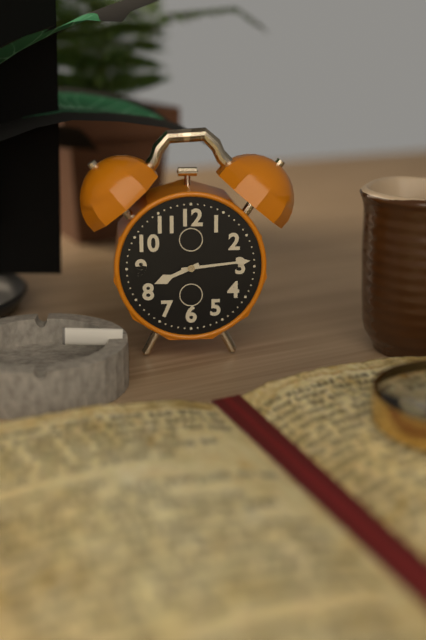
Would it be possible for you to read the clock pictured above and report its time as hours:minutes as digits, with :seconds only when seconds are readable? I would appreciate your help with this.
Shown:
8:14
